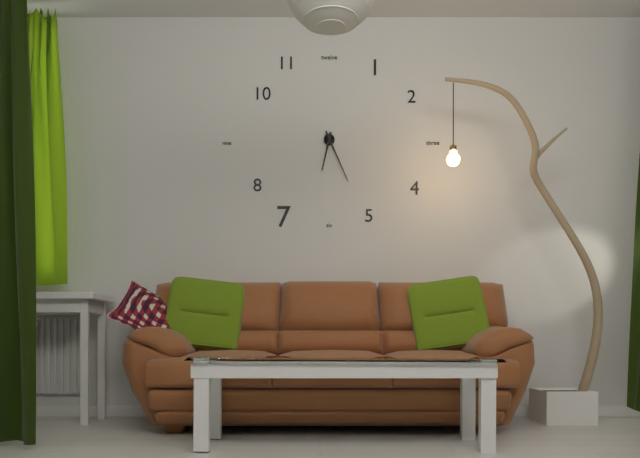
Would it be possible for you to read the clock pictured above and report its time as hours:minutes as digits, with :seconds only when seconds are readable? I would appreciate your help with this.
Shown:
6:26
